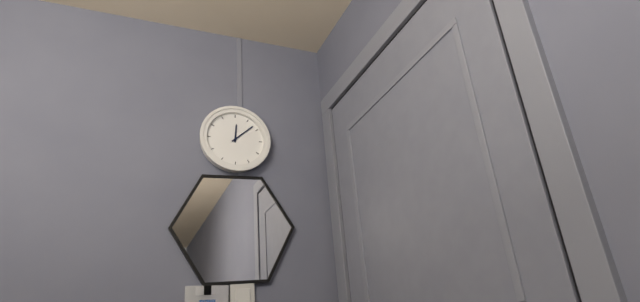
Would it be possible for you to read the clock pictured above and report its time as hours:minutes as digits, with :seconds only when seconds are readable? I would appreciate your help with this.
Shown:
12:08
